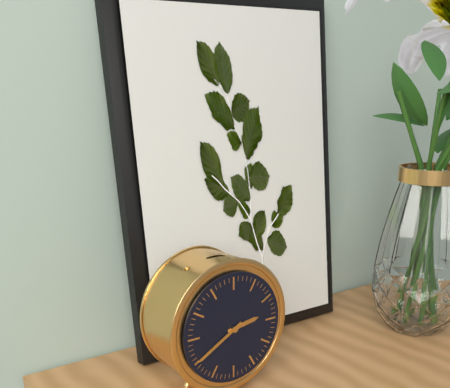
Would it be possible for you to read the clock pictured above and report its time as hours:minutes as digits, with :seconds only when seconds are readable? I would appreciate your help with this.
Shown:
2:40
